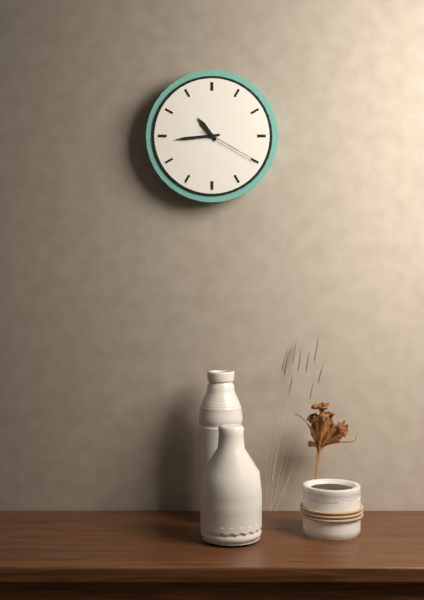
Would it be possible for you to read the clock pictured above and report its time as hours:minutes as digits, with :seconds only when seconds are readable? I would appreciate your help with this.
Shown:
10:44:20
